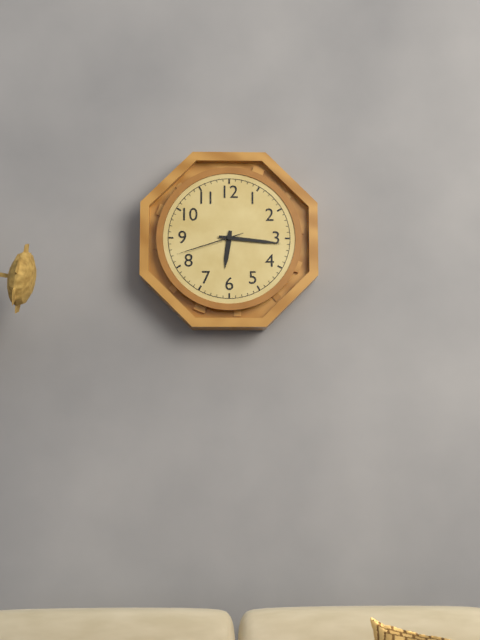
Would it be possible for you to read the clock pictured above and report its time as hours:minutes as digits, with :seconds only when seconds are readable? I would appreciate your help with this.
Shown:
6:16:42
